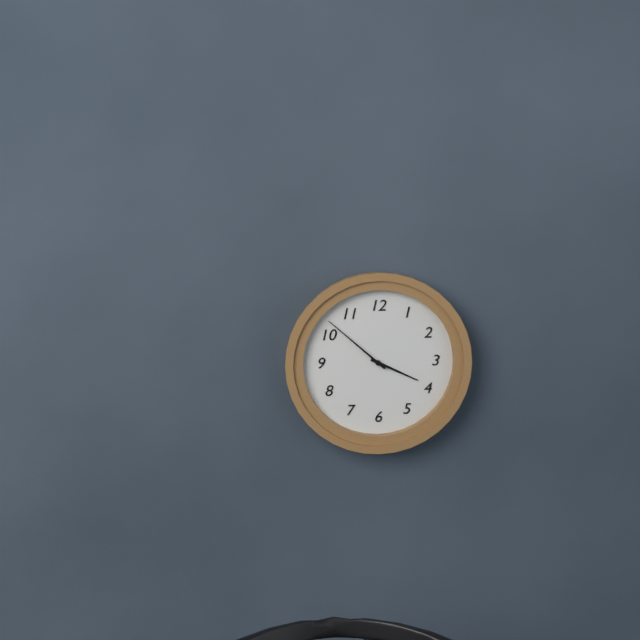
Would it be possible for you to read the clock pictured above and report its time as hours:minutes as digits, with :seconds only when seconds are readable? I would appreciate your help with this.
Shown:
3:52
